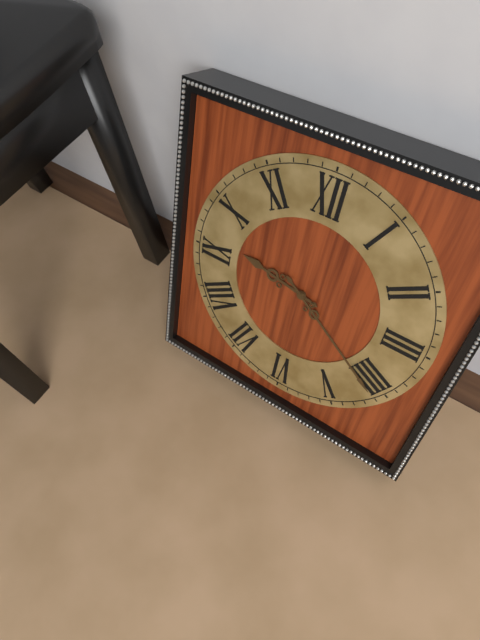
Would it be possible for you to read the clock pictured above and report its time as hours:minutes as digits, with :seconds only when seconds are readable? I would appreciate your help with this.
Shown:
9:21
